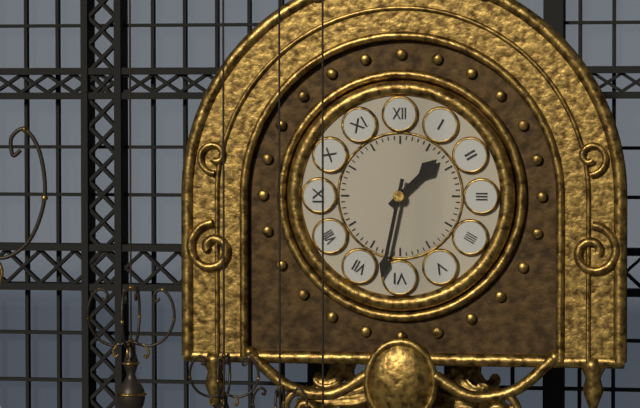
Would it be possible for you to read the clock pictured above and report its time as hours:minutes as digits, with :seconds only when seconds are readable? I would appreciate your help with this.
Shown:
1:32
